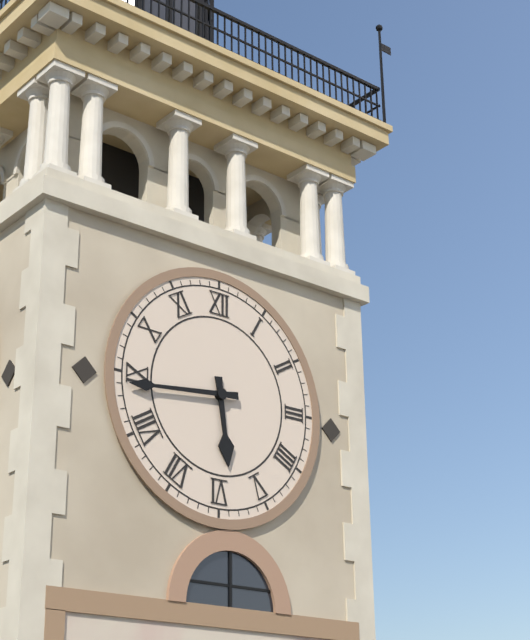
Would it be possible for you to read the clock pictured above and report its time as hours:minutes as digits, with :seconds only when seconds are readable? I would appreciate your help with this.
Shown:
5:44
